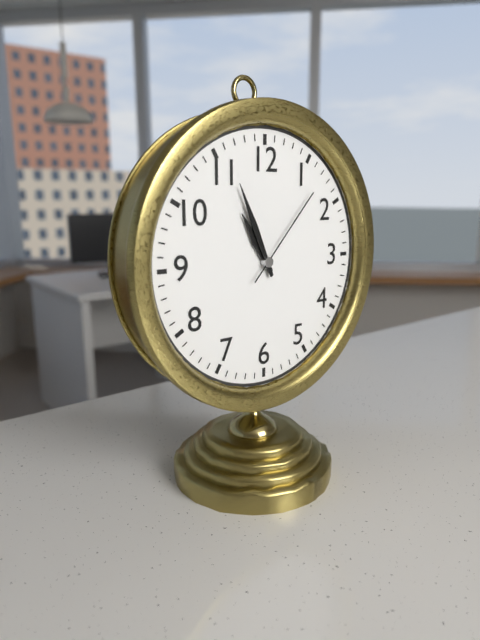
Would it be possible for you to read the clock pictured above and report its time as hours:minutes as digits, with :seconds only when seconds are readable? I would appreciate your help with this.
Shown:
10:56:07
